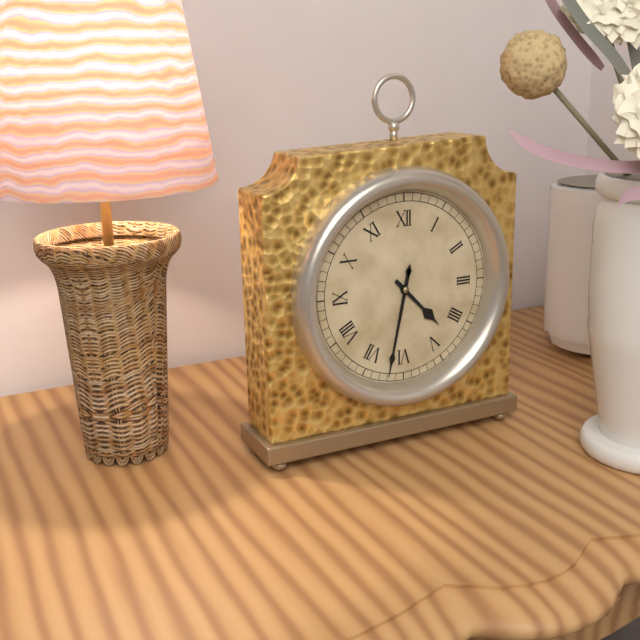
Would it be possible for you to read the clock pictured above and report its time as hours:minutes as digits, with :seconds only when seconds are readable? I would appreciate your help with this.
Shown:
4:32
